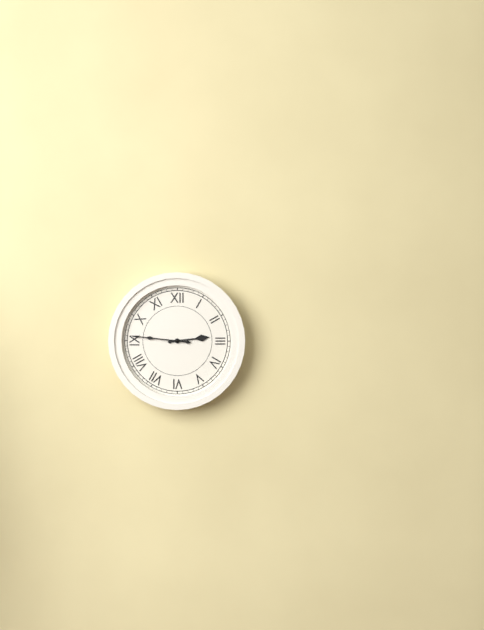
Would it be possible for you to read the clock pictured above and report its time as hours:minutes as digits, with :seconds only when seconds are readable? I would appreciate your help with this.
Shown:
2:46
